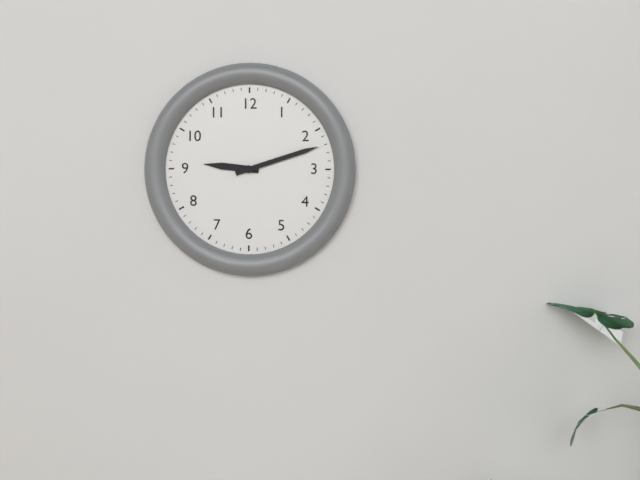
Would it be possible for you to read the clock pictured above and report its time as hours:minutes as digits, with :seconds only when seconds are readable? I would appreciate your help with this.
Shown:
9:12
